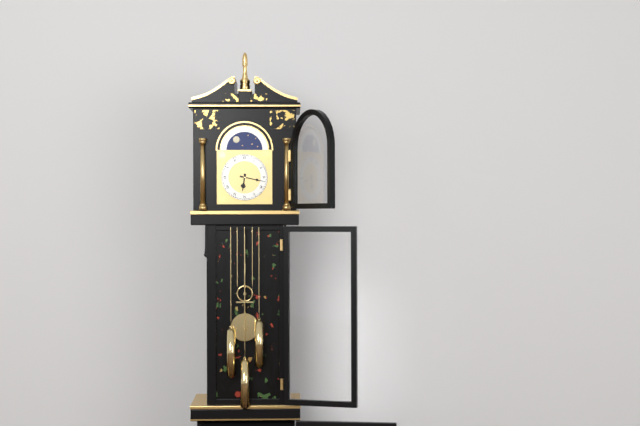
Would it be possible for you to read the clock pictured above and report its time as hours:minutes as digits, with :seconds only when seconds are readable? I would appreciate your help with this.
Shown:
6:17
